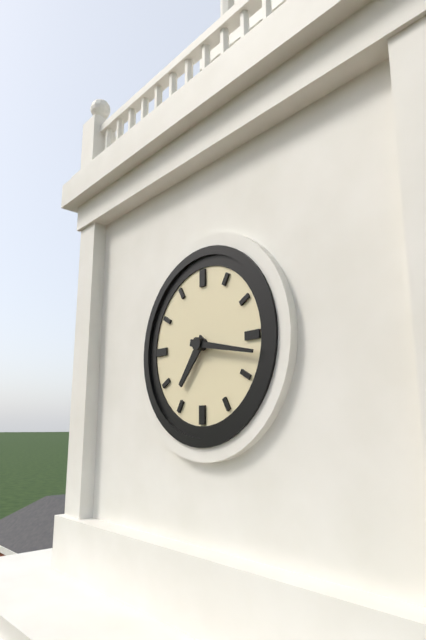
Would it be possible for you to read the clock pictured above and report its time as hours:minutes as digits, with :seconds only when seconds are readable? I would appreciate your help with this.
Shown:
7:17
